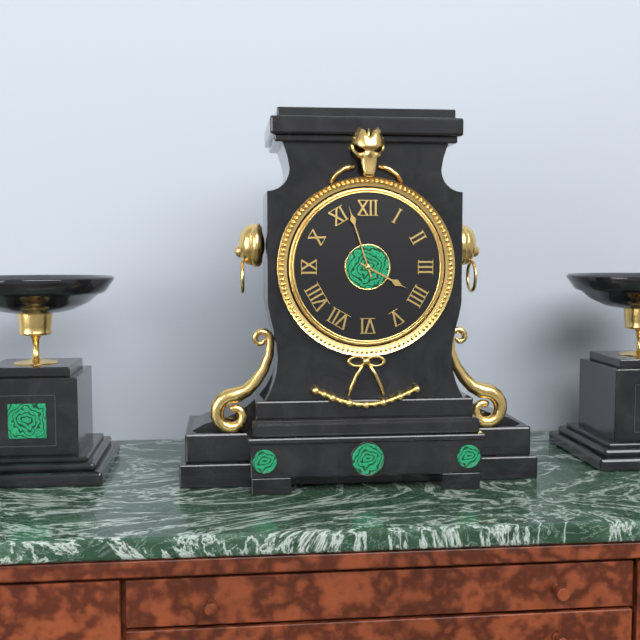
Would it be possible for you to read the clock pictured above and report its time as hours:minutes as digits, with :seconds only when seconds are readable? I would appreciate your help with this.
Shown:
3:57
